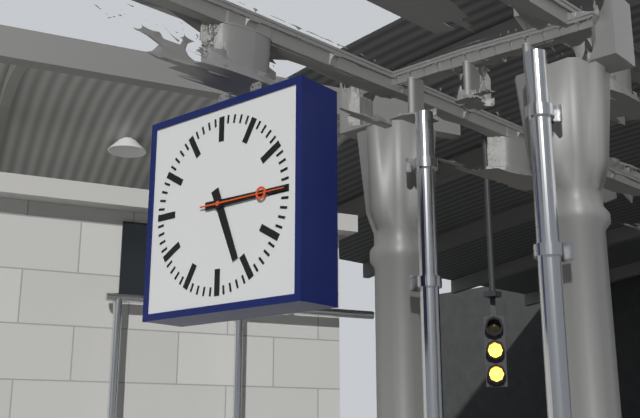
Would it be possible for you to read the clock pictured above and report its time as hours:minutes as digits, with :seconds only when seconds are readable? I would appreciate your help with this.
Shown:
5:15:15
